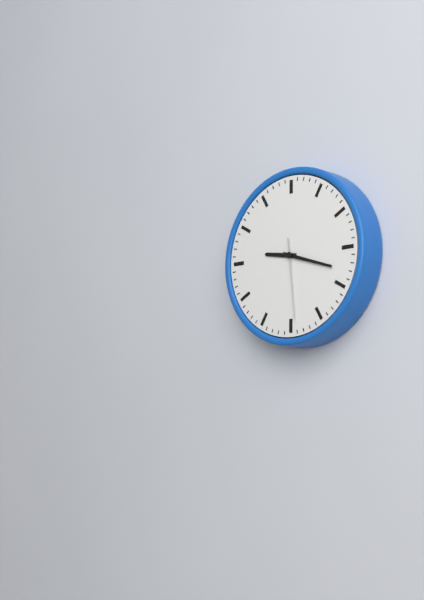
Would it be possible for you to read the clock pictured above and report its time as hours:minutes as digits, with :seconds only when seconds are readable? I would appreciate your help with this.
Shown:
9:18:29
